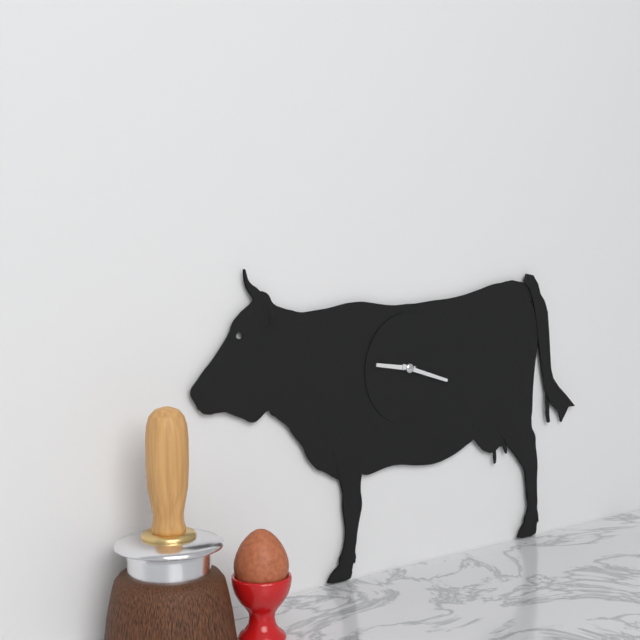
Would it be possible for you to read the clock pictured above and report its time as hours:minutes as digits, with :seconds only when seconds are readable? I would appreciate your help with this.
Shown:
9:18
